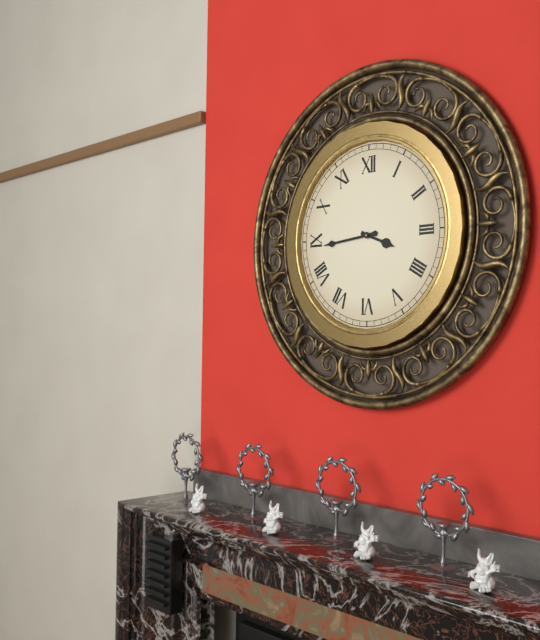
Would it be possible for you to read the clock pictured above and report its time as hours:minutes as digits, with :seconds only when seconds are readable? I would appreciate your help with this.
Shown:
3:44
